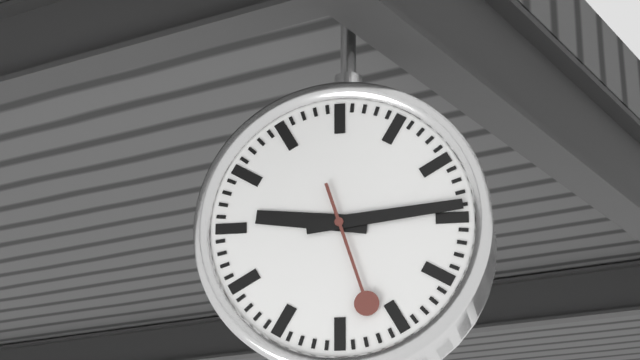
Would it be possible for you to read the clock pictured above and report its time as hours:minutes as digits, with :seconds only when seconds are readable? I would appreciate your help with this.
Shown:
9:14:27
